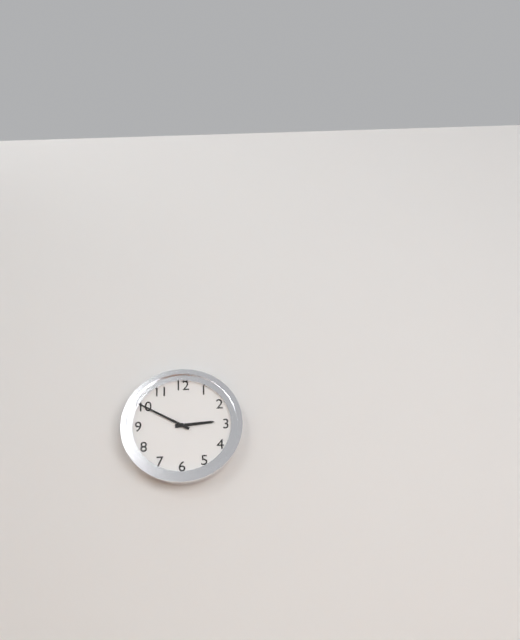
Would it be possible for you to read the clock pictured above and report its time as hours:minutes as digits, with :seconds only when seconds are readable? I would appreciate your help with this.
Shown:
2:50
